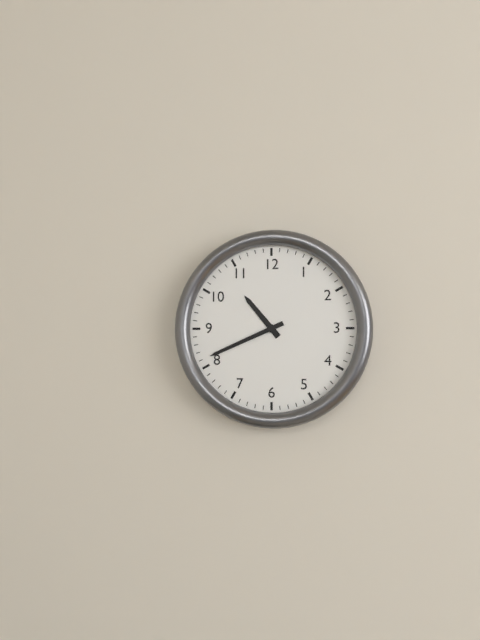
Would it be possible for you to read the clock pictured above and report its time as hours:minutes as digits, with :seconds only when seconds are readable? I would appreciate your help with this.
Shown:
10:41
